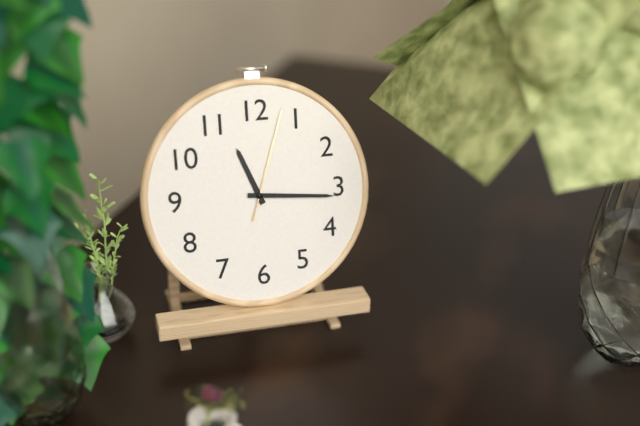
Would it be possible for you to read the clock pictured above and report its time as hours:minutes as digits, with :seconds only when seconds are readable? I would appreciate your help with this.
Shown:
11:16:03
